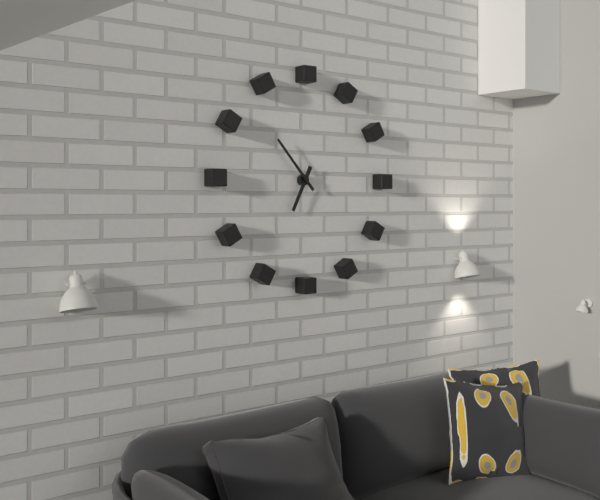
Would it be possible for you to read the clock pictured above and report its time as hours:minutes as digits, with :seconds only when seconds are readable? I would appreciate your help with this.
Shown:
6:53
